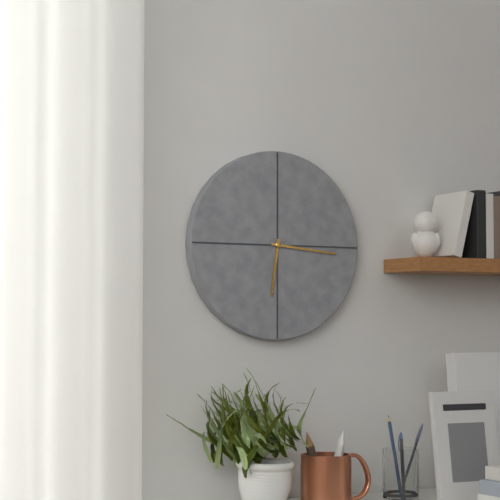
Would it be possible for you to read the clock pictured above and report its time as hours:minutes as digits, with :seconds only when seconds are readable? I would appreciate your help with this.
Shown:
6:16
